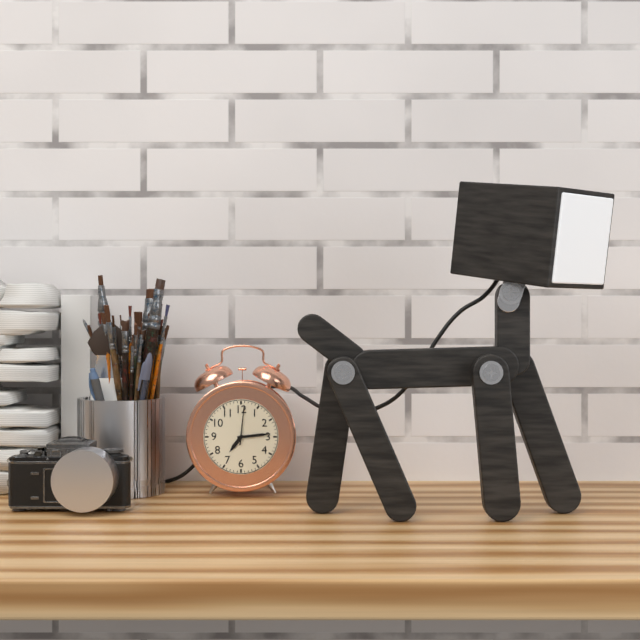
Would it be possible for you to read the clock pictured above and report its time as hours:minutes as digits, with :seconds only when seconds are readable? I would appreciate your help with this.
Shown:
7:14
